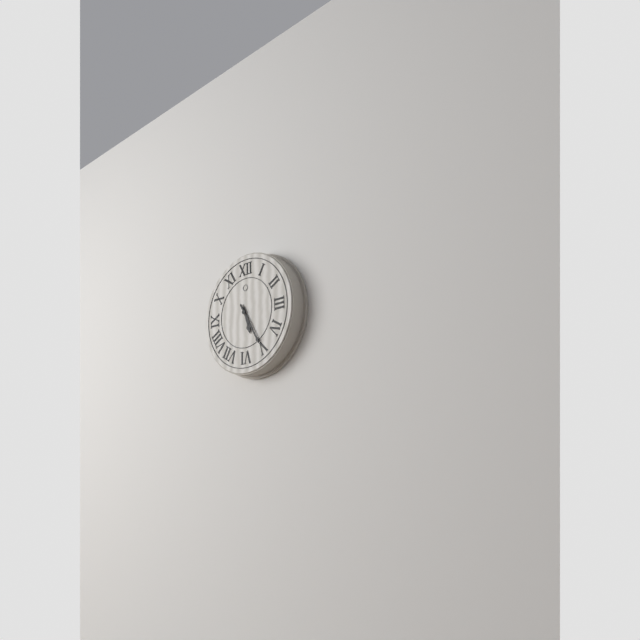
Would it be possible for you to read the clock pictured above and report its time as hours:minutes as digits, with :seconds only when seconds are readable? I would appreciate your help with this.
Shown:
5:25
